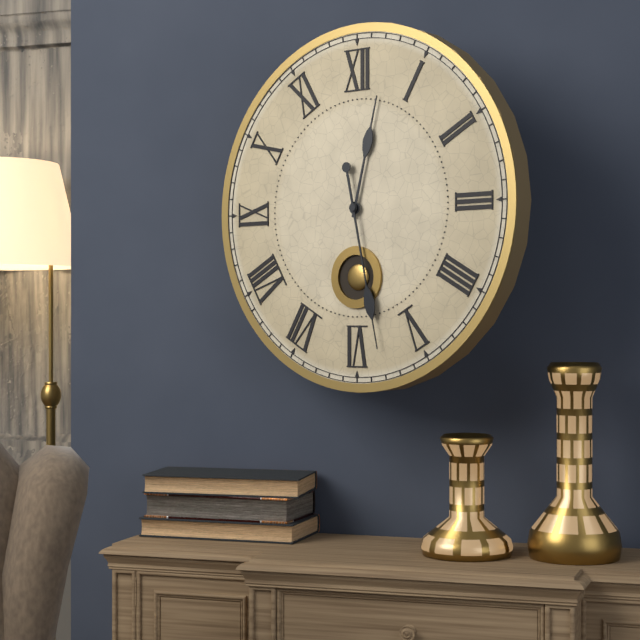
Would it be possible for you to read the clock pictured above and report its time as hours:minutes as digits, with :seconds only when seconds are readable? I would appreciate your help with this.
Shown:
12:28
